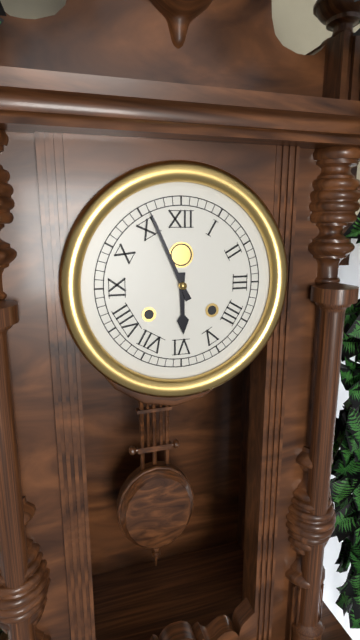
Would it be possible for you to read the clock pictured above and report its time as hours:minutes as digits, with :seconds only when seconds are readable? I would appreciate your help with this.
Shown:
5:56
